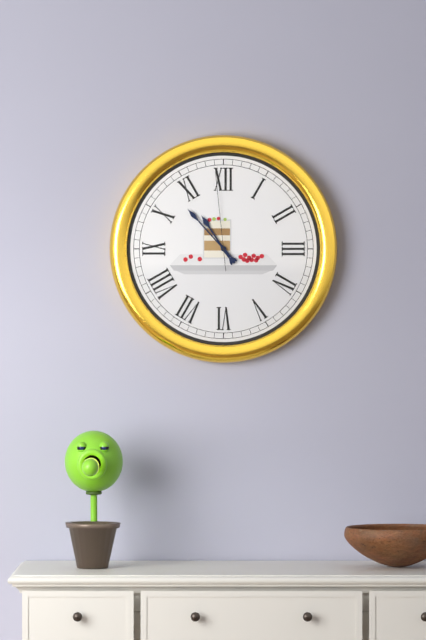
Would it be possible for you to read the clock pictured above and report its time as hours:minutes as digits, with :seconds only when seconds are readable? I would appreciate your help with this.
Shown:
10:53:59
